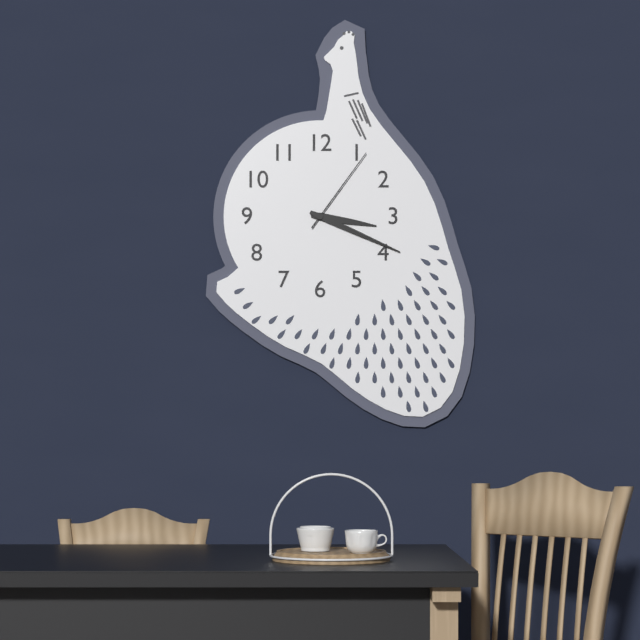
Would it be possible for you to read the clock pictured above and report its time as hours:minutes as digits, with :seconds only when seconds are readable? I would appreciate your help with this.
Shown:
3:19:06
